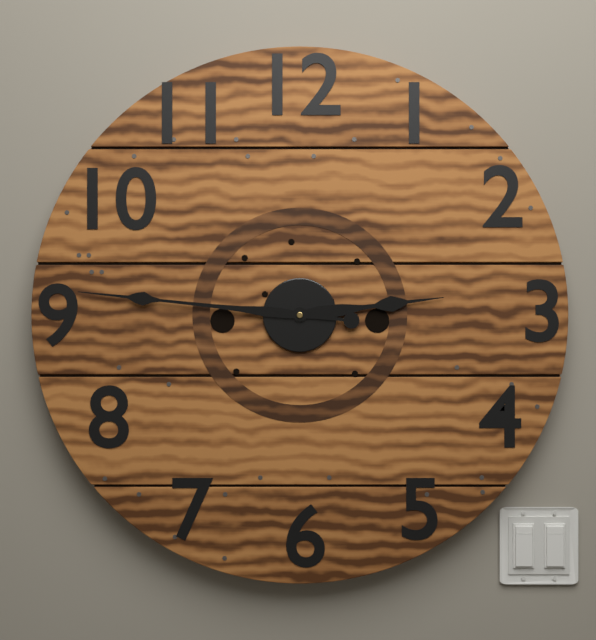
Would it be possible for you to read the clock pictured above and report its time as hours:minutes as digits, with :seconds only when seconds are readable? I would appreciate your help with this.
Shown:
2:46
